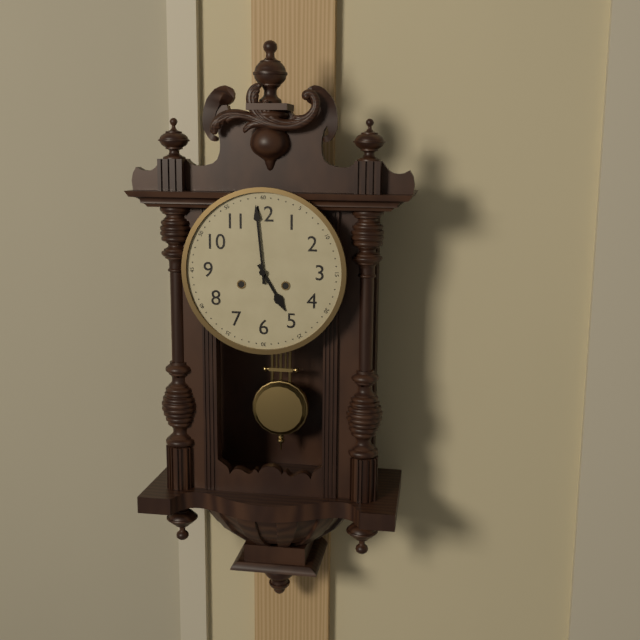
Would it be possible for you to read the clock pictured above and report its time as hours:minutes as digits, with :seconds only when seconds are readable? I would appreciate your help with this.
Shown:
4:59
